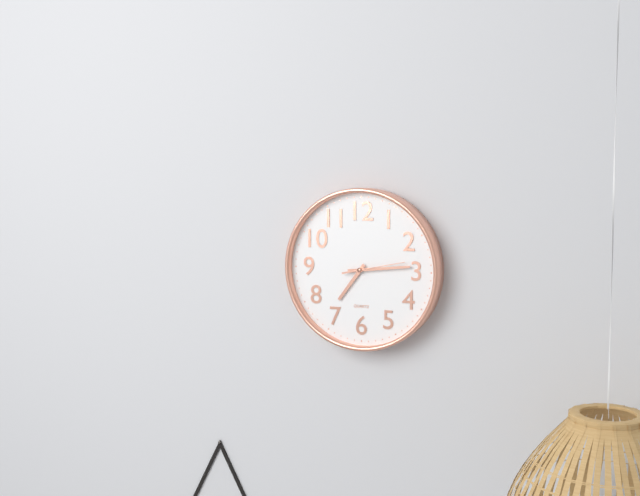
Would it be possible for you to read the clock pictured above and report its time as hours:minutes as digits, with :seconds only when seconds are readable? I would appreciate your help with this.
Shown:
7:14
